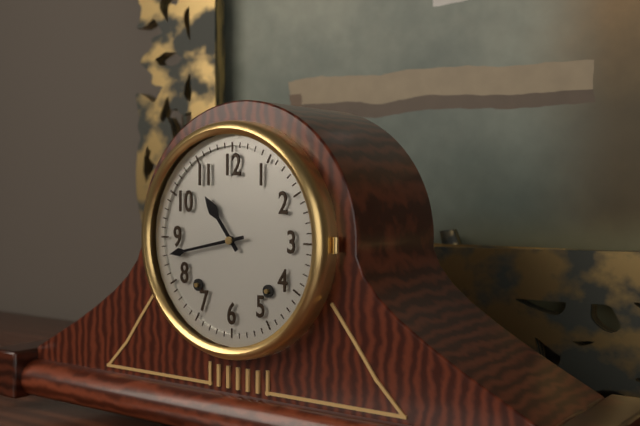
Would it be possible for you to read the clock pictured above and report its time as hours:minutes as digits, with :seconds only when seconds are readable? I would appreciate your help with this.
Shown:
10:43
